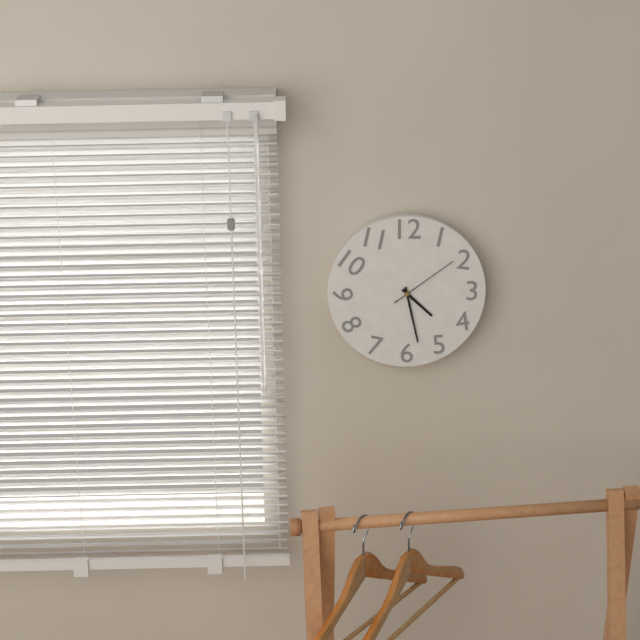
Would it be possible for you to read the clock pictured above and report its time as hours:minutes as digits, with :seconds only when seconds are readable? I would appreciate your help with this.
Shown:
4:28:09
